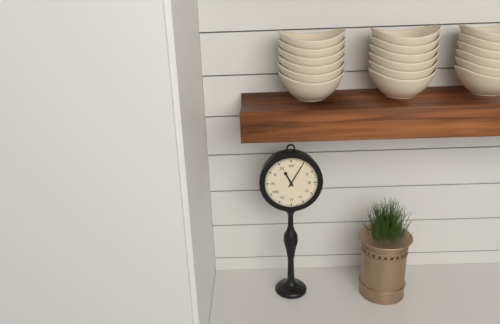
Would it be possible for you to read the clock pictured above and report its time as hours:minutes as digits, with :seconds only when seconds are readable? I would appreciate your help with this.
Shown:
11:05
